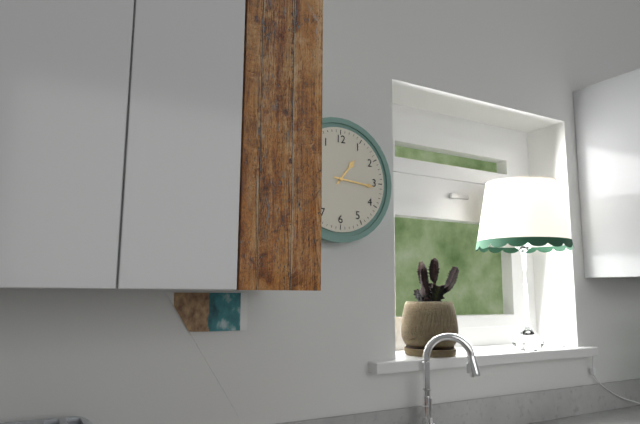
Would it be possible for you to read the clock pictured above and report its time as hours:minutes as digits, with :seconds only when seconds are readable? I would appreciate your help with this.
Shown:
1:16
